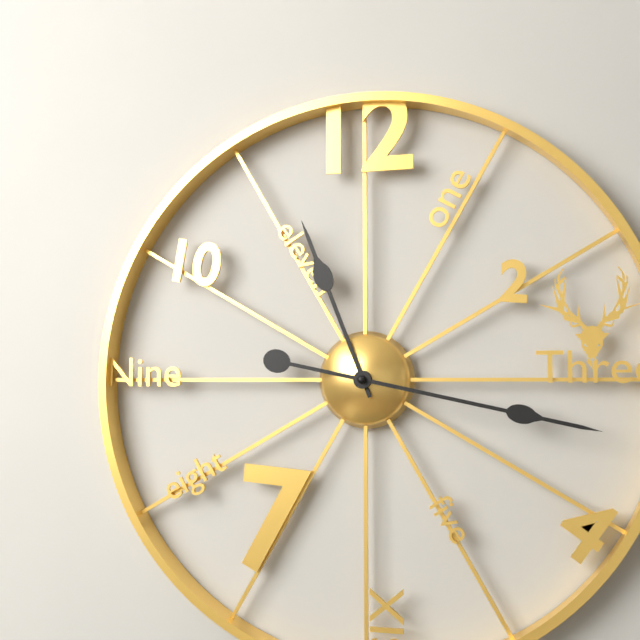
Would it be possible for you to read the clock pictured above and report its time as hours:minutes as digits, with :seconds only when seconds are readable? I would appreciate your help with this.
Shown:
11:17
